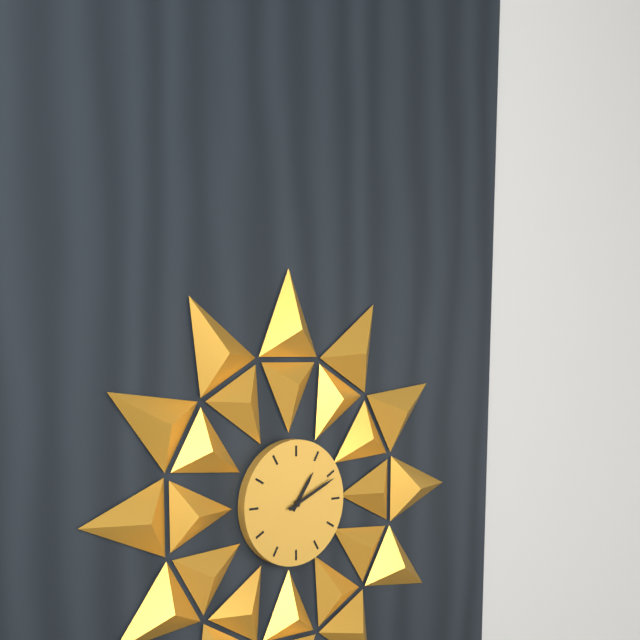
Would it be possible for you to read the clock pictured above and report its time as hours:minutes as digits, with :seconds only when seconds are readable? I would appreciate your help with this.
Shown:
1:11
